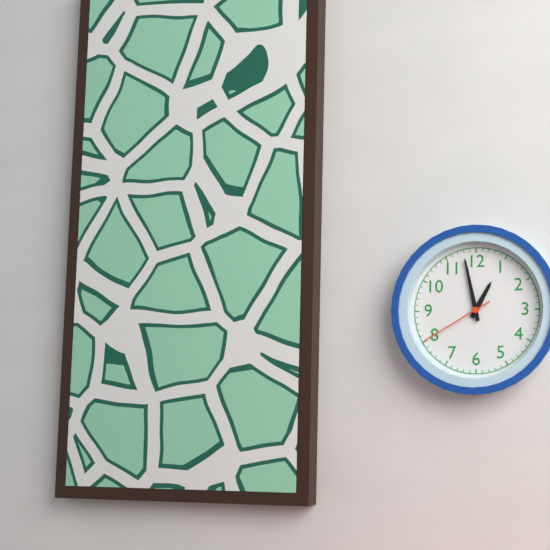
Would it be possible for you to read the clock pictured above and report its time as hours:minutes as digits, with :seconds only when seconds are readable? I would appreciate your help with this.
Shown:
12:58:40
